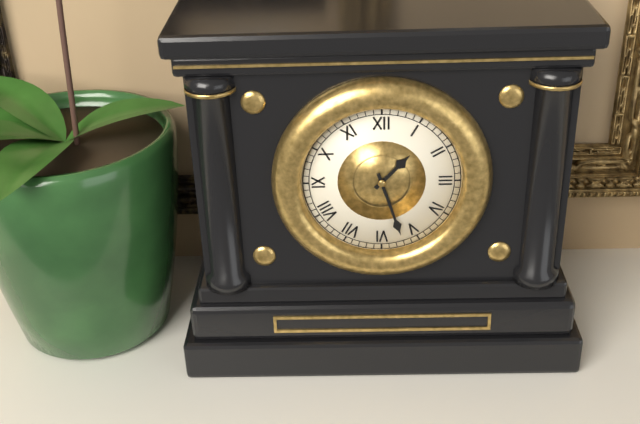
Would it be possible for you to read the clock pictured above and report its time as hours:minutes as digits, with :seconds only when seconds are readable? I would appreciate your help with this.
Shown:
1:27
